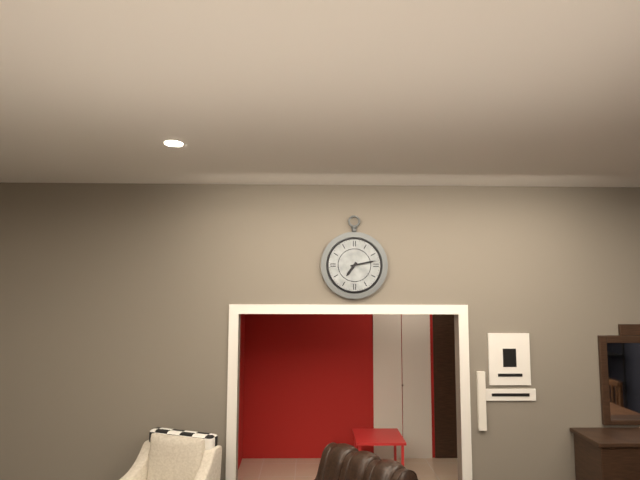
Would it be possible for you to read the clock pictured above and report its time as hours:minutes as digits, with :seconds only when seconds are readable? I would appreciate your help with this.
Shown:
7:13
